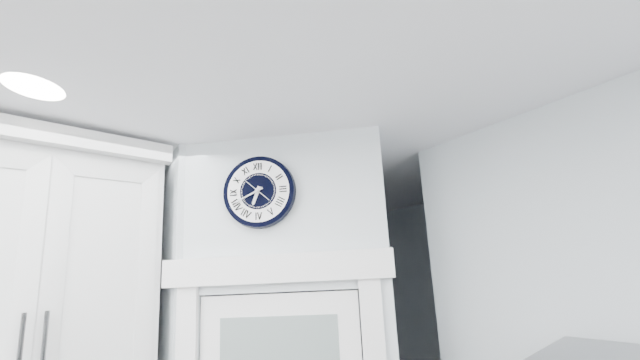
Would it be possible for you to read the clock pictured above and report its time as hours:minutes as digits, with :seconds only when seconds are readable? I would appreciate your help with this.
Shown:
6:41
